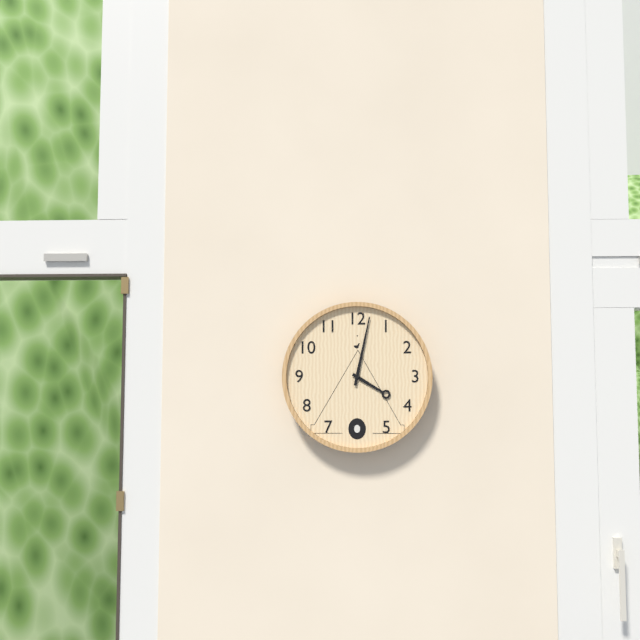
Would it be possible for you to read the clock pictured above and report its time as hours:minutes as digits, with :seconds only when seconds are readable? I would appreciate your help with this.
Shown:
4:02
